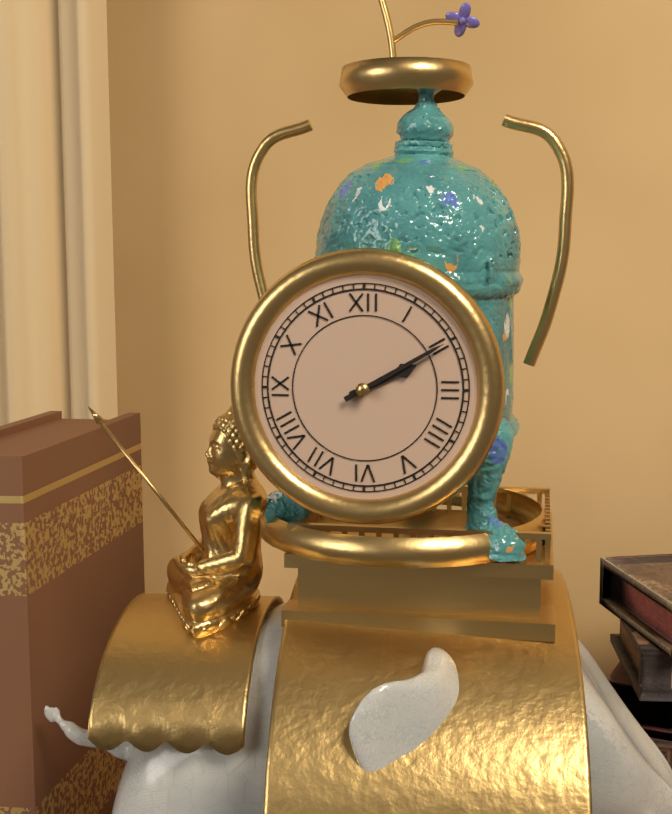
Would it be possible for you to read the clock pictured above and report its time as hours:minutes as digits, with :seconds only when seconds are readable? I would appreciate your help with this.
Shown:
2:10
